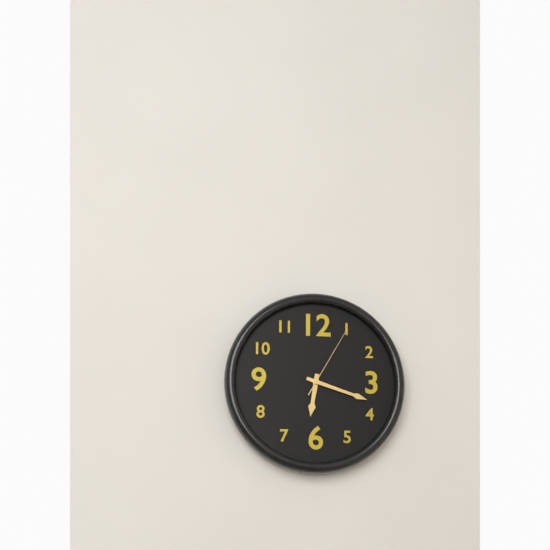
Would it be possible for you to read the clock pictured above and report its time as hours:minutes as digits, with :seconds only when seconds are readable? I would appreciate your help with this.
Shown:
6:18:05
